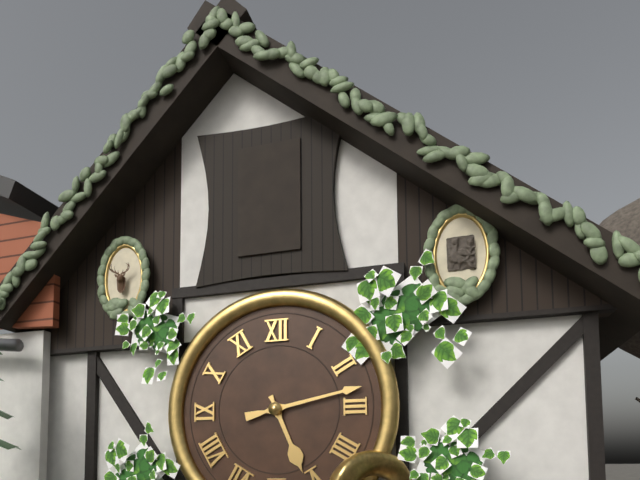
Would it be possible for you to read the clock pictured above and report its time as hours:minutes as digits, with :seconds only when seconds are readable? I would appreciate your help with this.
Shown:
5:13
